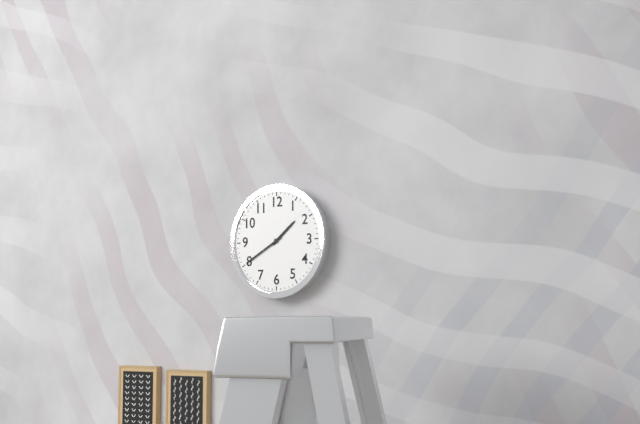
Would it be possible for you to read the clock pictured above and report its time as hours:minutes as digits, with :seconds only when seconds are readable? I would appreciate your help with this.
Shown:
1:40
